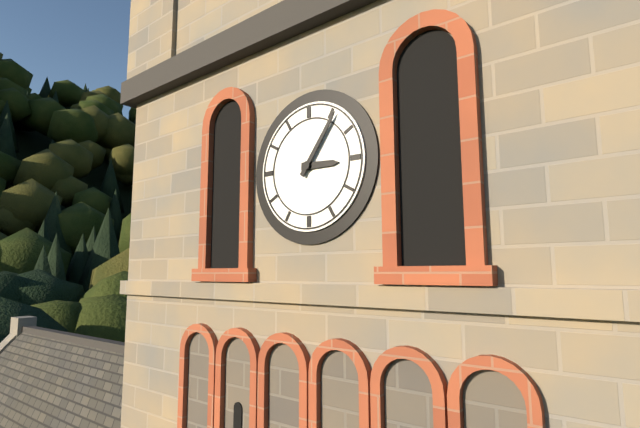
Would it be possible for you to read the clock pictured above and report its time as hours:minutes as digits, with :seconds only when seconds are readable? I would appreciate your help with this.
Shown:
3:06
